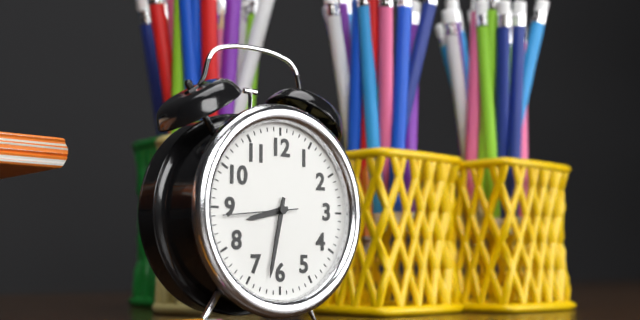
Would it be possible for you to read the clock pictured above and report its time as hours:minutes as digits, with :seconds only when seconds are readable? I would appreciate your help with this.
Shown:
8:32:44
